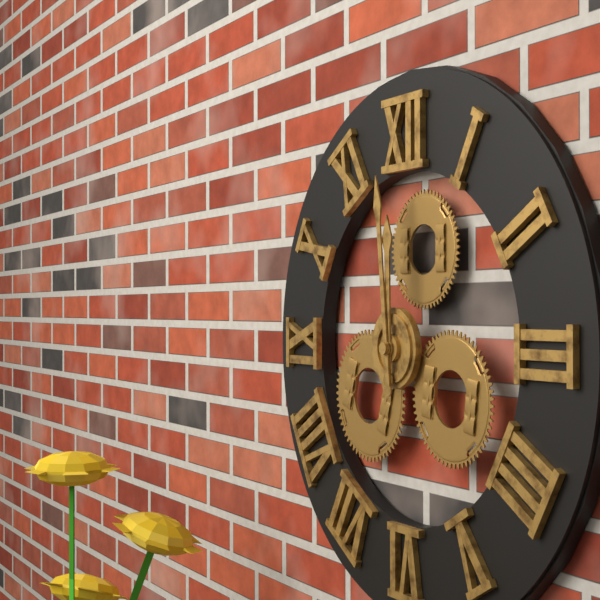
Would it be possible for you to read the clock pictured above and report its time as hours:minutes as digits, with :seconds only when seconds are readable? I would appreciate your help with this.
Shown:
11:59
